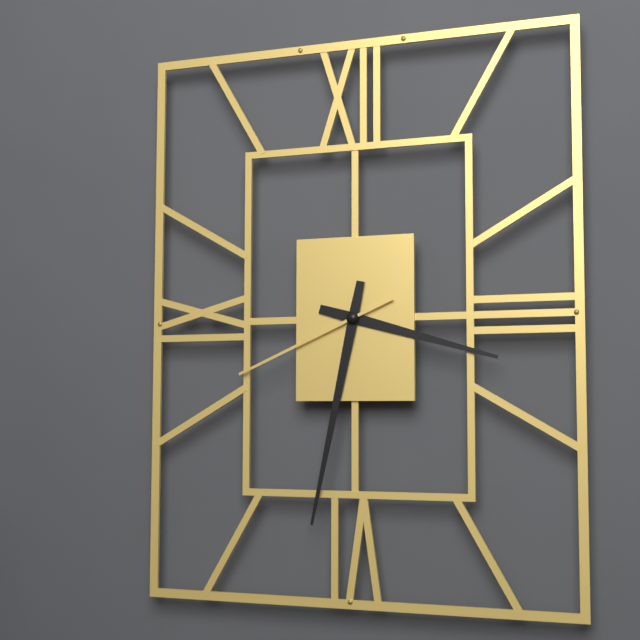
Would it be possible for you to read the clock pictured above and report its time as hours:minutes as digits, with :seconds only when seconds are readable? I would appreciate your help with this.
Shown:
3:32:41
